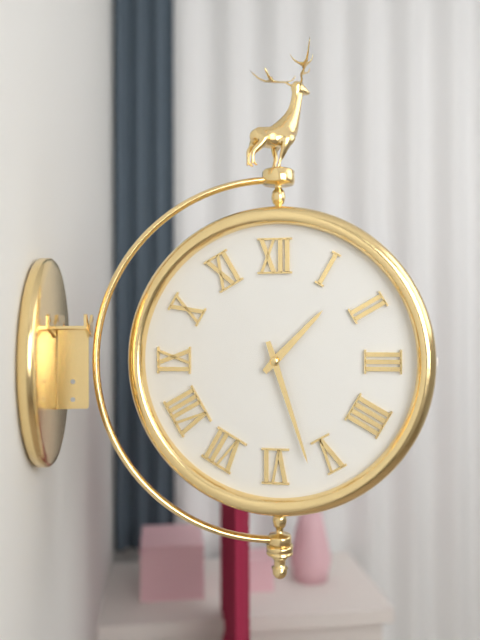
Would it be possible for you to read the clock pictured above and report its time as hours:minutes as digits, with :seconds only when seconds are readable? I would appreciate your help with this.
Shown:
1:27
